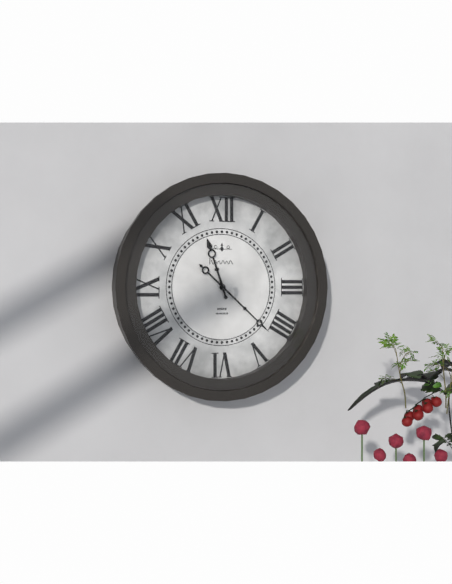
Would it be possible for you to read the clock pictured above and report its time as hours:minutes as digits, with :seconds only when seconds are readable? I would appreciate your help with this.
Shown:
11:22
